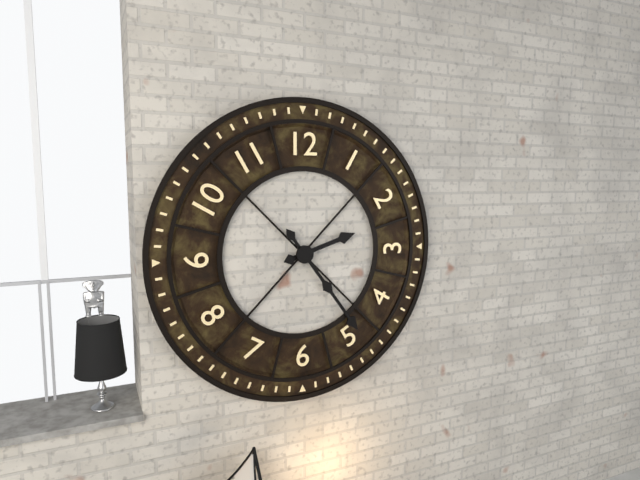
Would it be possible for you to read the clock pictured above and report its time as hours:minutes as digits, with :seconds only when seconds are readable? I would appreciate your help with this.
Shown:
2:24
